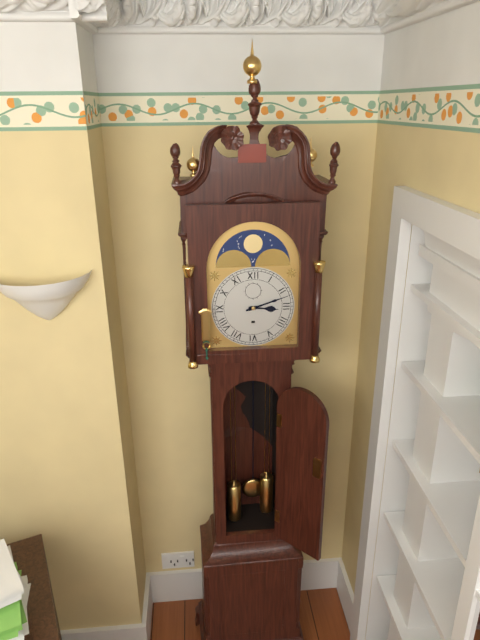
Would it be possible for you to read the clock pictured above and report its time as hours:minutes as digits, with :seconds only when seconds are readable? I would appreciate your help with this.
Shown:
3:12
